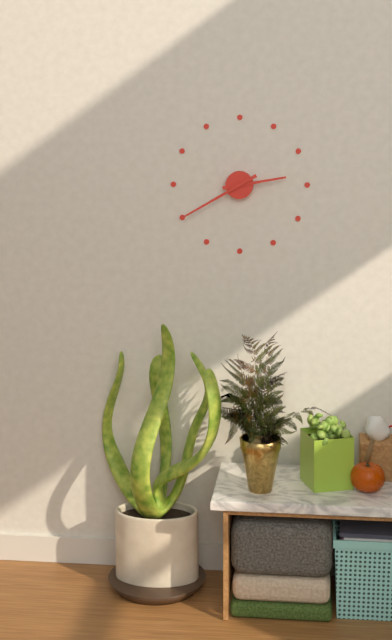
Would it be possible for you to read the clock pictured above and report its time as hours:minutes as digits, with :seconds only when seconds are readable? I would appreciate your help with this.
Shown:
2:40
